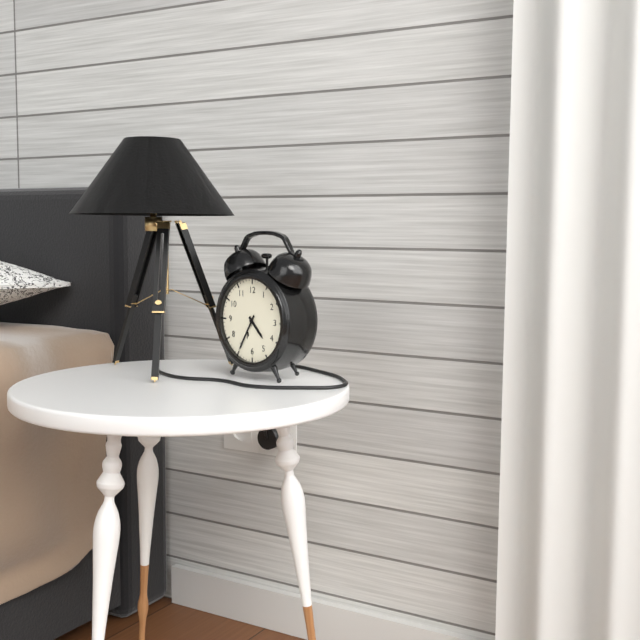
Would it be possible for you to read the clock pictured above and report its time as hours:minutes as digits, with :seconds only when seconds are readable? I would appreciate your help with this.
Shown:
4:35
